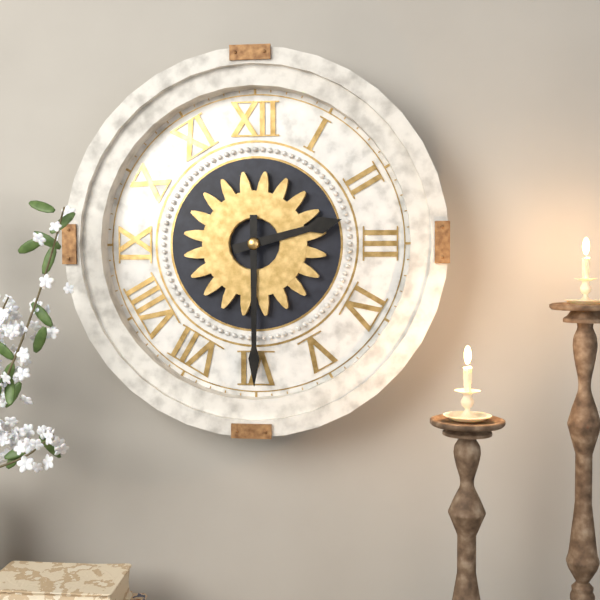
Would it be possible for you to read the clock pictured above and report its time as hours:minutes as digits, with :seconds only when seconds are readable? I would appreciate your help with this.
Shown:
2:30
